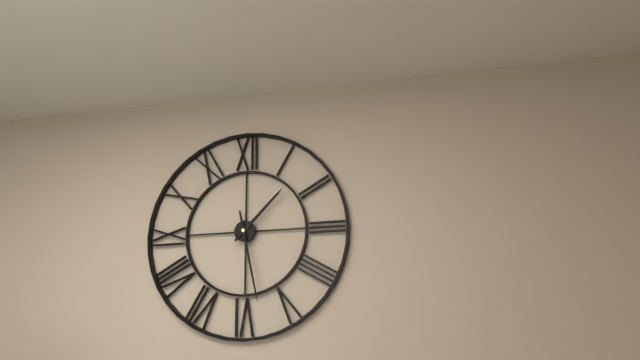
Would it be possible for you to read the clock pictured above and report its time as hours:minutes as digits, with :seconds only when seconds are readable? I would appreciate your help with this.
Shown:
1:28
